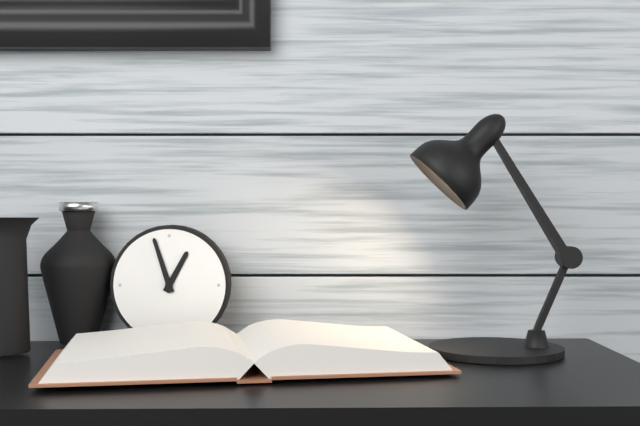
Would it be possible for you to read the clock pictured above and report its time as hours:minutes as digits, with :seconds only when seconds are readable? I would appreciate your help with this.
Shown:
12:57
